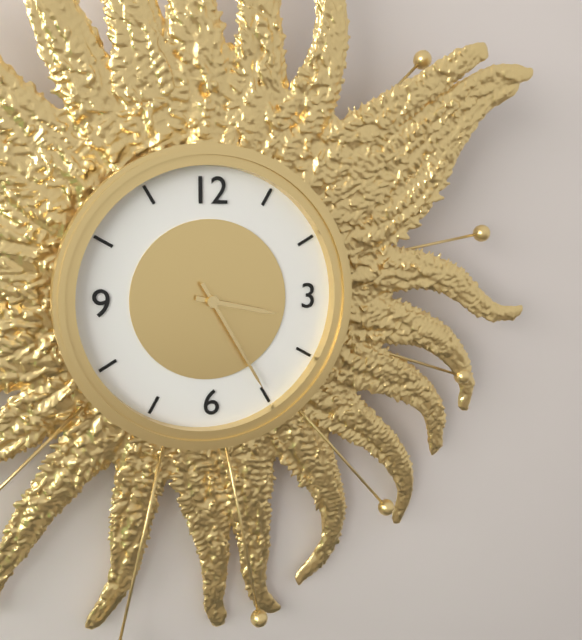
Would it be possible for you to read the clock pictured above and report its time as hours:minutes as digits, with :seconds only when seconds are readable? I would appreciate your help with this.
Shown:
3:25
